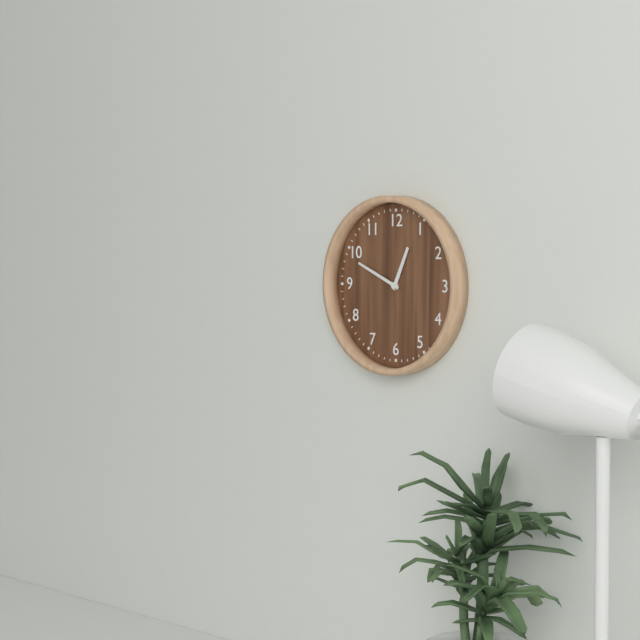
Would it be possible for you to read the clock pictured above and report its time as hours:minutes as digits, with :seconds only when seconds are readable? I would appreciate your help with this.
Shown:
12:49
